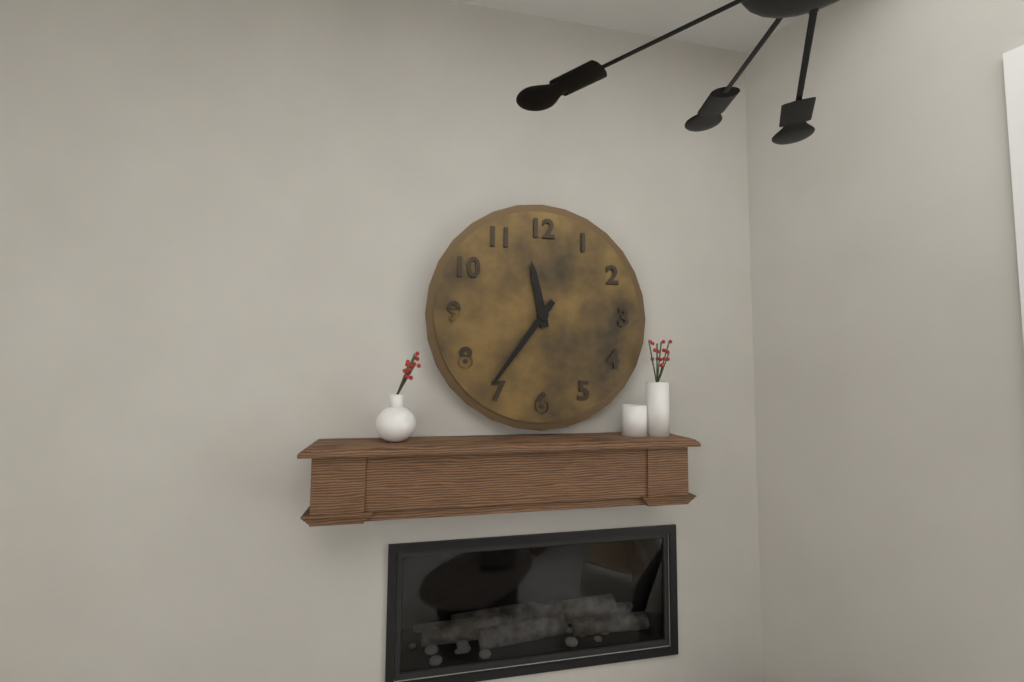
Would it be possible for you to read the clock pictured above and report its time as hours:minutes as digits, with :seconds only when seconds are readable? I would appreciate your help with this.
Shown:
11:36
